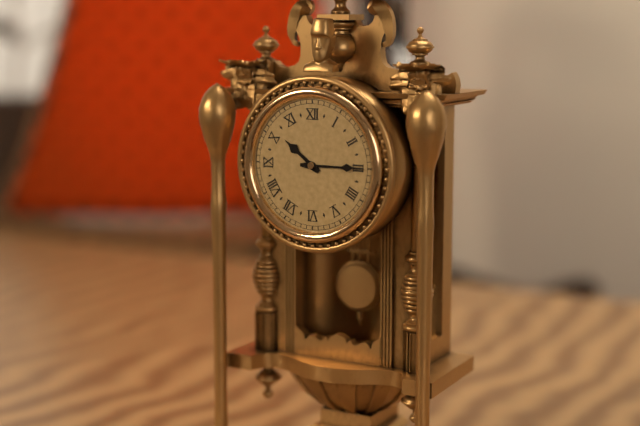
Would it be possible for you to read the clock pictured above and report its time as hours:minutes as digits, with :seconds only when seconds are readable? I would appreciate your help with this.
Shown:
10:15
